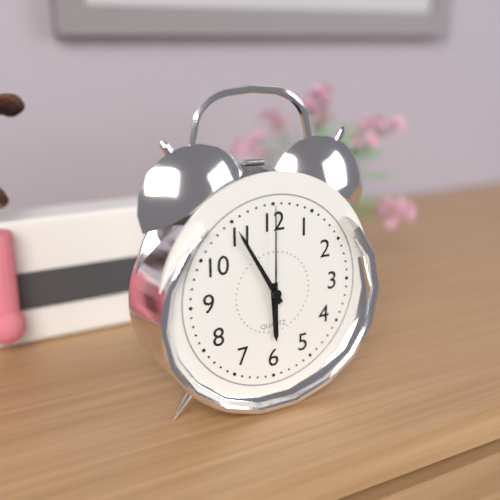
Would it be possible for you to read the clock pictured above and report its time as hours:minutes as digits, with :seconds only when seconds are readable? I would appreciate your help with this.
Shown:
5:55:00
